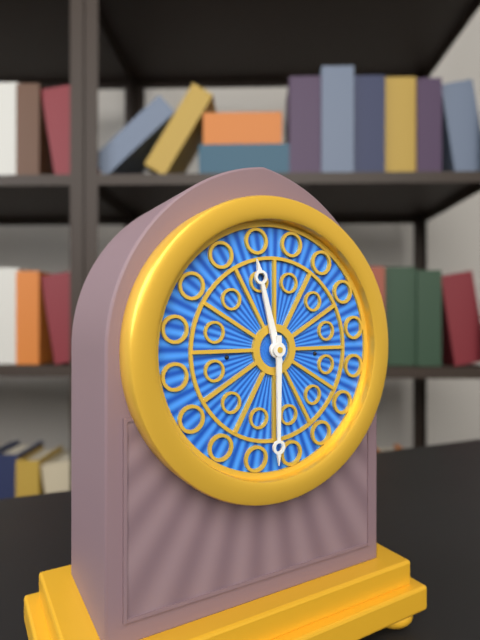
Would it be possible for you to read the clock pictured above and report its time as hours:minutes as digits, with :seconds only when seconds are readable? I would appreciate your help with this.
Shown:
11:30
